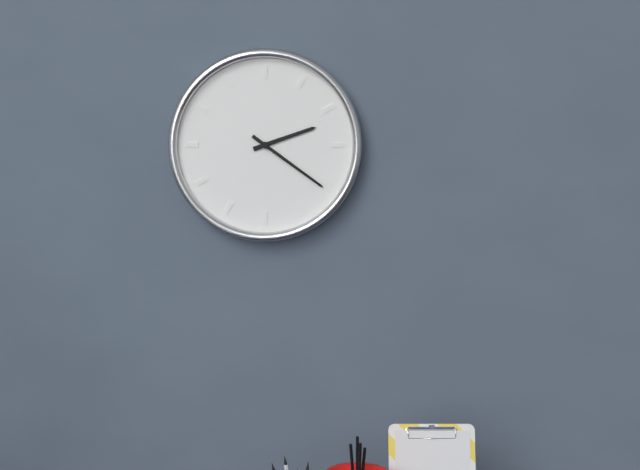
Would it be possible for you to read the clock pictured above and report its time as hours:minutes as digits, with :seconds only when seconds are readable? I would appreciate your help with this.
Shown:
2:21
